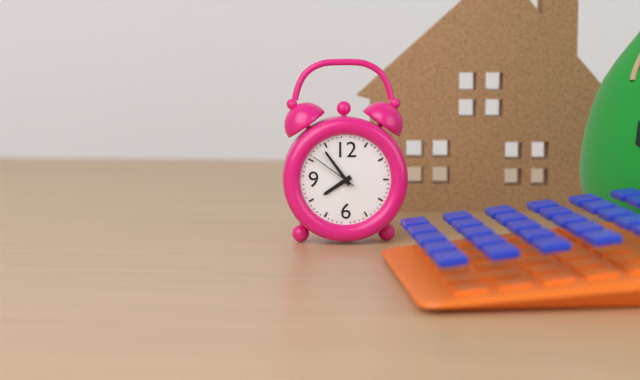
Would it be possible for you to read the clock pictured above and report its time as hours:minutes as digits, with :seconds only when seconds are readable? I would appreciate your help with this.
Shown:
7:54:51
